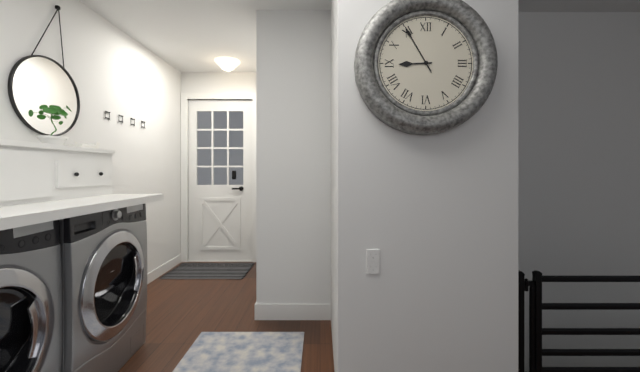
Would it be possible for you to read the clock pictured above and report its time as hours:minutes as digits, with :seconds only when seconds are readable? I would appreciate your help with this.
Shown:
8:55
